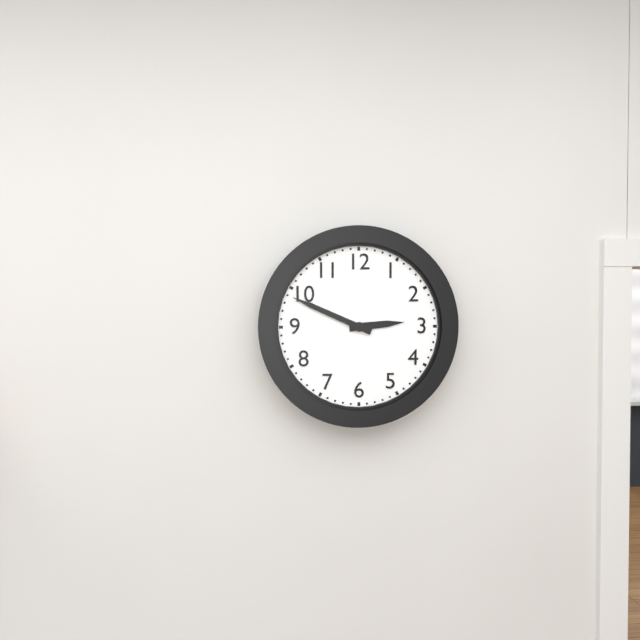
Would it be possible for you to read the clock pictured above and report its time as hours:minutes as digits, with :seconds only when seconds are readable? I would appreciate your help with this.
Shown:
2:49
